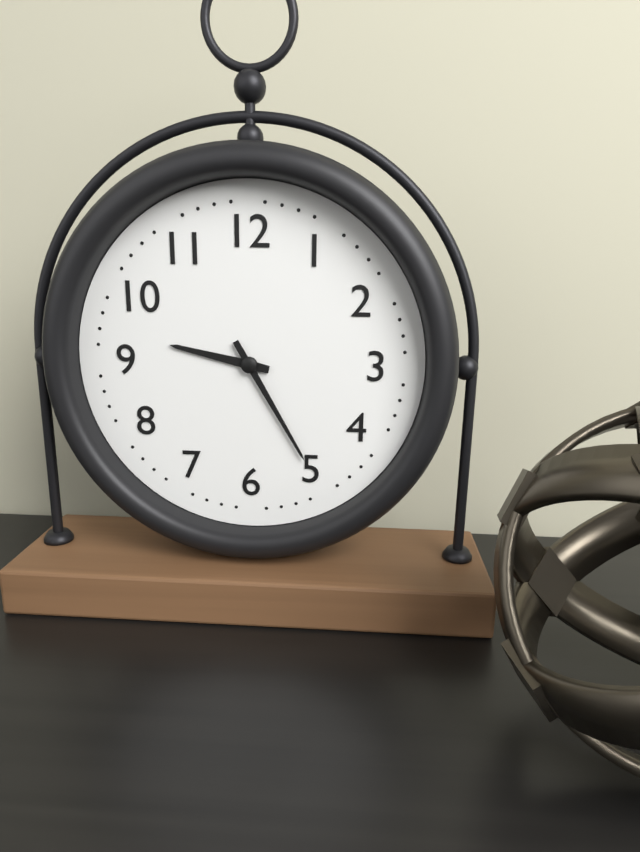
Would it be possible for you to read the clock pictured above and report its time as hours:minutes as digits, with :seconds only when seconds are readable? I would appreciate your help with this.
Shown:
9:25
